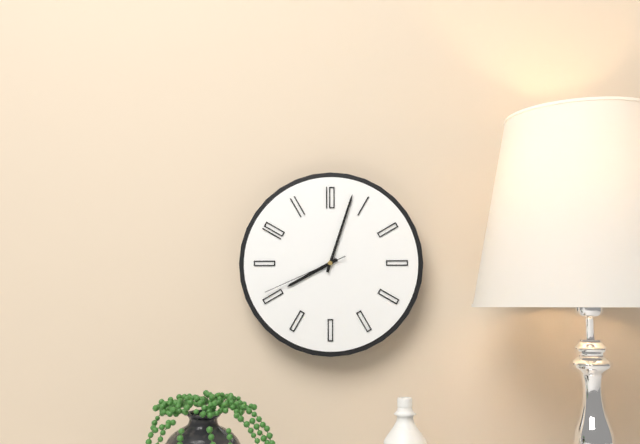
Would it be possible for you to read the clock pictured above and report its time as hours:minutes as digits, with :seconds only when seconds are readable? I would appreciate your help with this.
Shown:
8:03:41
